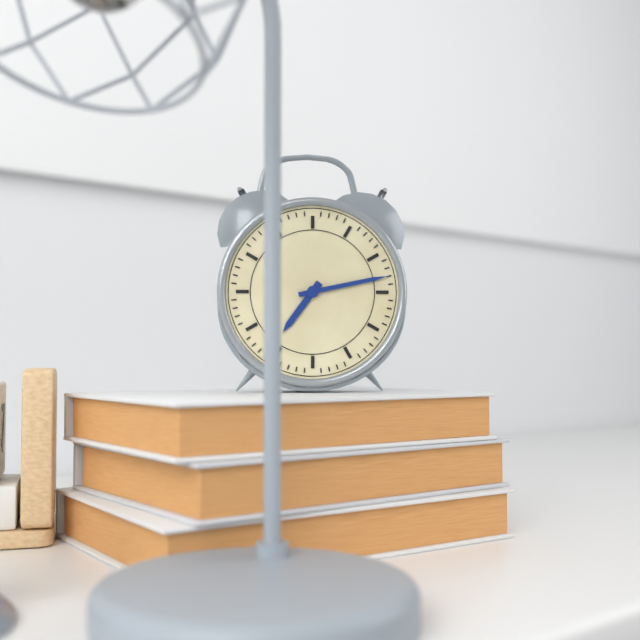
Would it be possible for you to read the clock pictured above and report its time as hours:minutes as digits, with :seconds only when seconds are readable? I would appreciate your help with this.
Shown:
7:13
